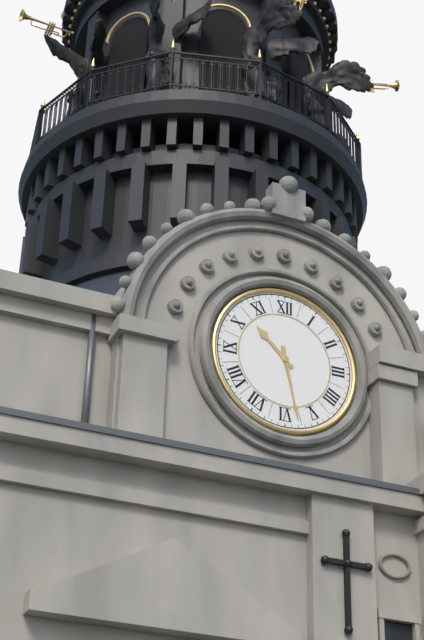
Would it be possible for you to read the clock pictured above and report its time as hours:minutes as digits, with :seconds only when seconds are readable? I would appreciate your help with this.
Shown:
10:28
